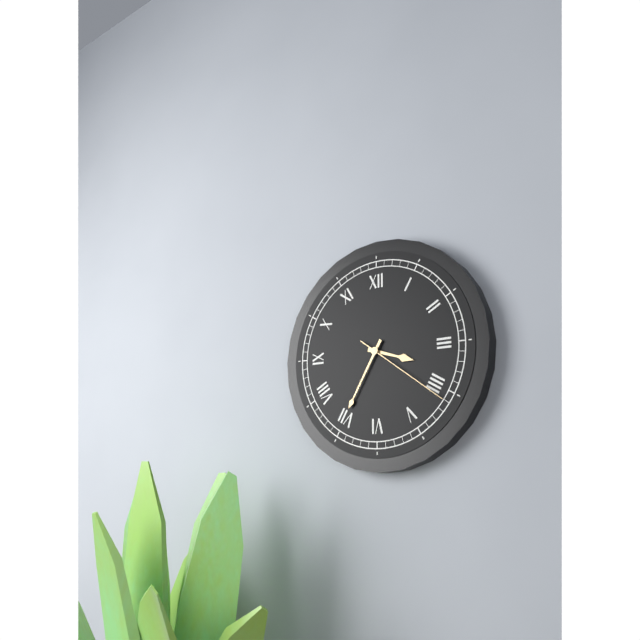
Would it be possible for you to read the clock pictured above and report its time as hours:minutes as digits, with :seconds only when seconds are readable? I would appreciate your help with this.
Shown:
3:35:21
